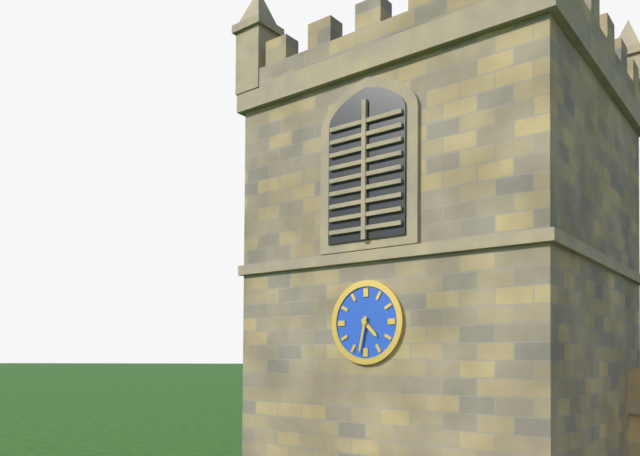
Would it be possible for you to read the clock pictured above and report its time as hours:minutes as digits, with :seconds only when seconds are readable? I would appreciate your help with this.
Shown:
4:32
